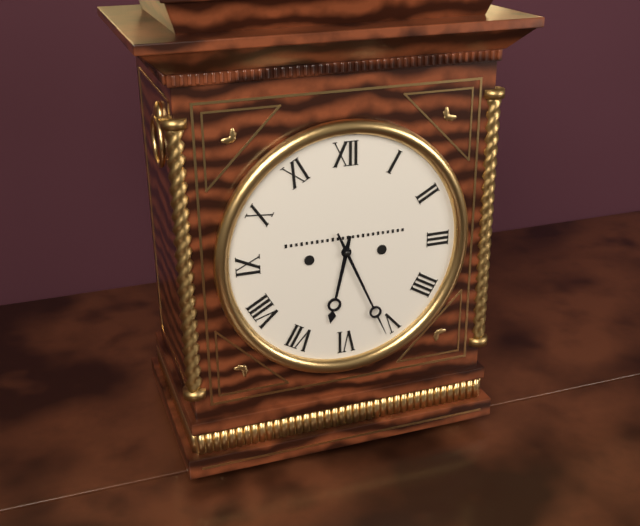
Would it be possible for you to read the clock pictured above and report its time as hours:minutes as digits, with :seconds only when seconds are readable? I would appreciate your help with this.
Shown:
6:26
